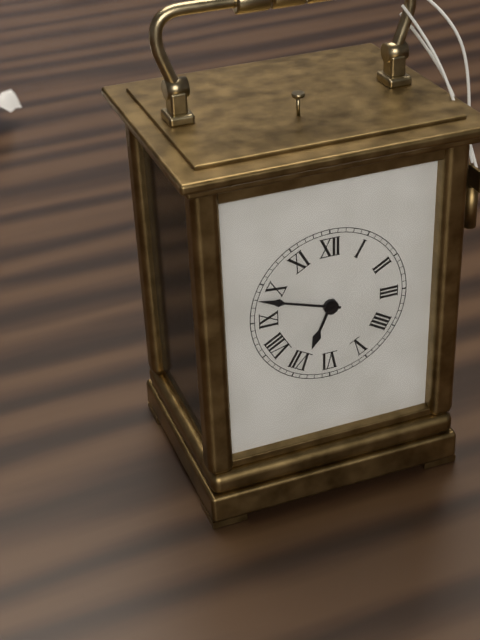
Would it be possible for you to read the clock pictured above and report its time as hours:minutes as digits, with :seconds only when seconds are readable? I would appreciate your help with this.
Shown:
6:48
